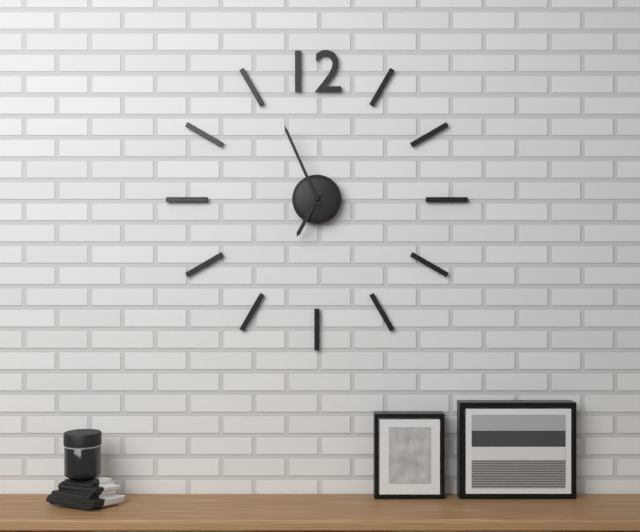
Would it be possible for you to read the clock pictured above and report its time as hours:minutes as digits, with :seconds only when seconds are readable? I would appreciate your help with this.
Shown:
6:56
